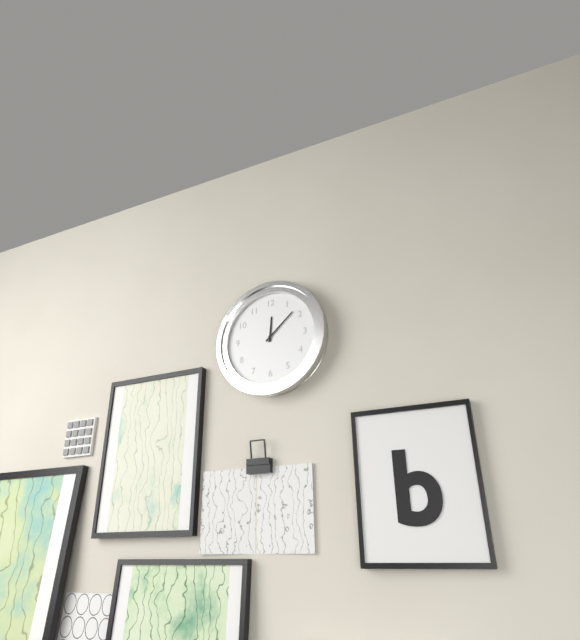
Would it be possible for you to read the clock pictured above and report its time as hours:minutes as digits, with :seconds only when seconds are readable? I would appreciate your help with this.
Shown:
12:08
